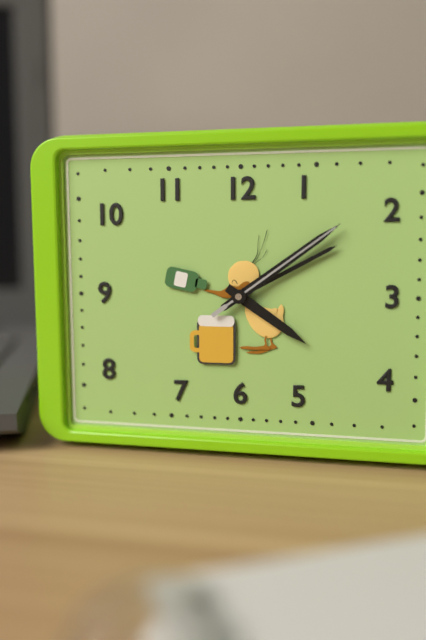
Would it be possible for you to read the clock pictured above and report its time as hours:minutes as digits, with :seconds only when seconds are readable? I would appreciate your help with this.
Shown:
4:09:09
